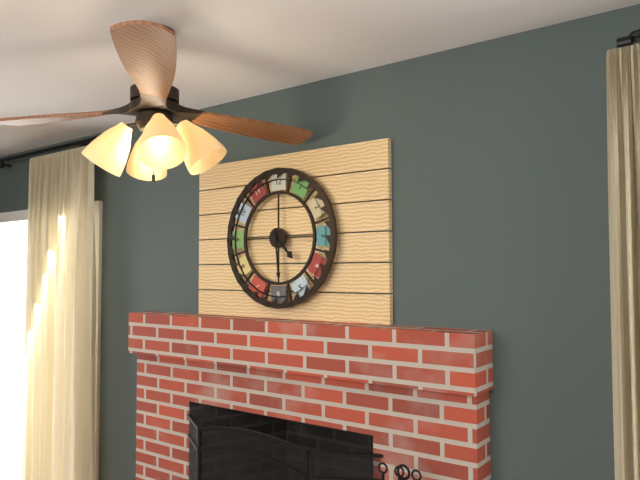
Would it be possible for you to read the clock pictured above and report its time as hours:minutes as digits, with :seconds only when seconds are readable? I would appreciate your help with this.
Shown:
4:29
